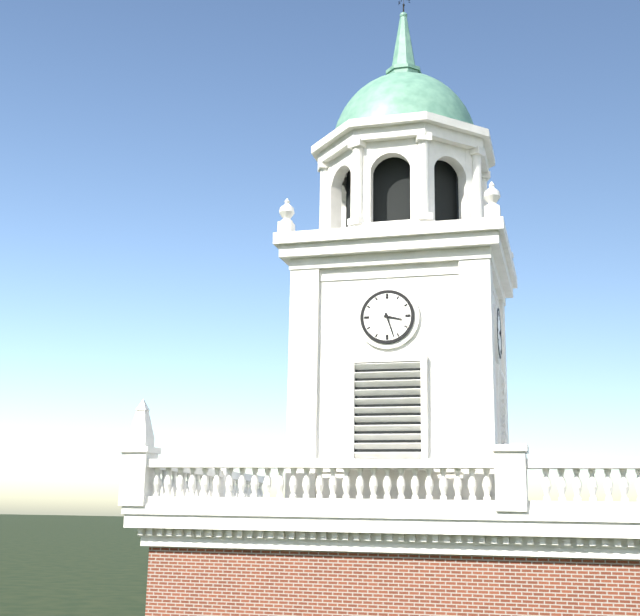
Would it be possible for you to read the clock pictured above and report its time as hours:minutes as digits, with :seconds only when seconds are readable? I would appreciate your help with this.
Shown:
3:27
